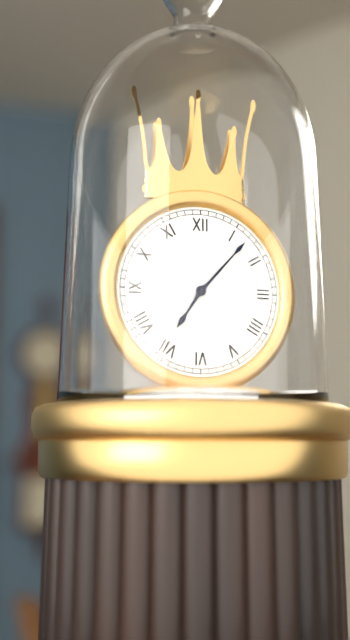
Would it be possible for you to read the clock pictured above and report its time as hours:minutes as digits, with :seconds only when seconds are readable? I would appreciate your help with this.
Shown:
7:07
